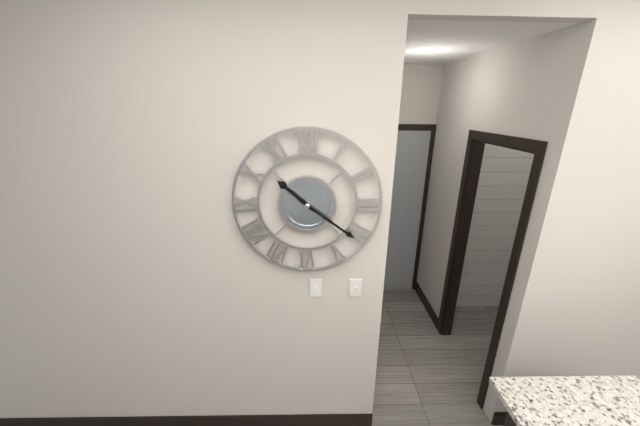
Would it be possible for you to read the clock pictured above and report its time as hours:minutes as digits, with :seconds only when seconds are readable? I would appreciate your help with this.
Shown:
10:21
